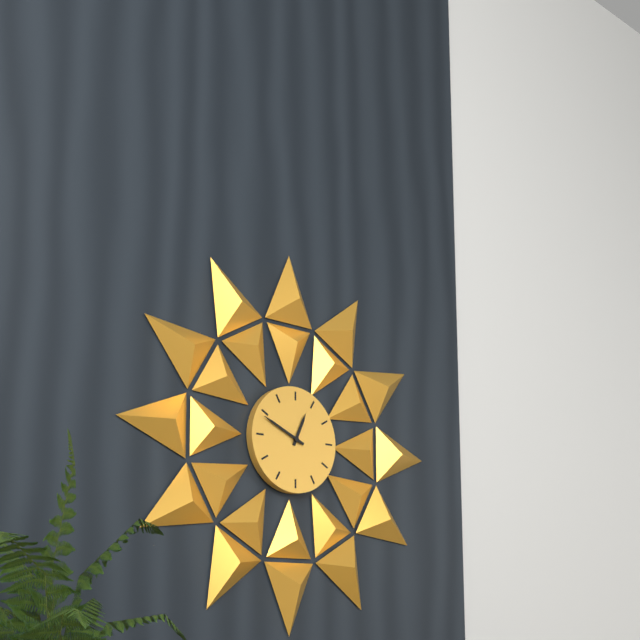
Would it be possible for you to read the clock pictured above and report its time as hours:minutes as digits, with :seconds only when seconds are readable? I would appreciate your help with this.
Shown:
12:49
